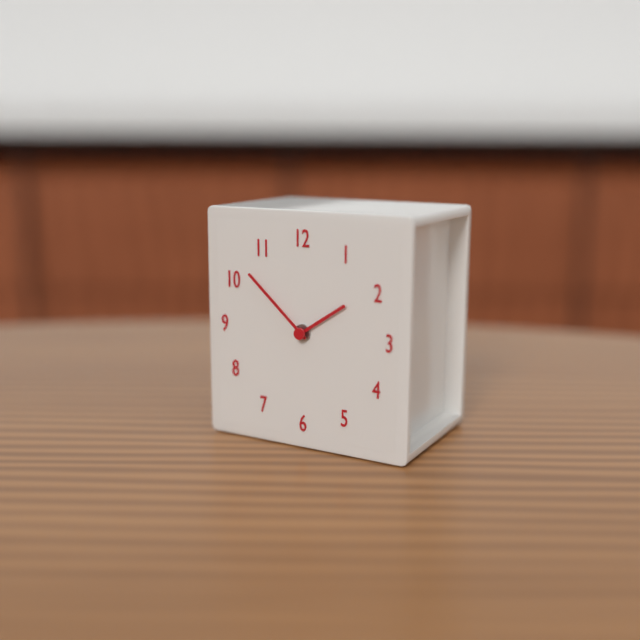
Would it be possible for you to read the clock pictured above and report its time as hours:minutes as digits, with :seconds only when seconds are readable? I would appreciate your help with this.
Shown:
1:52
